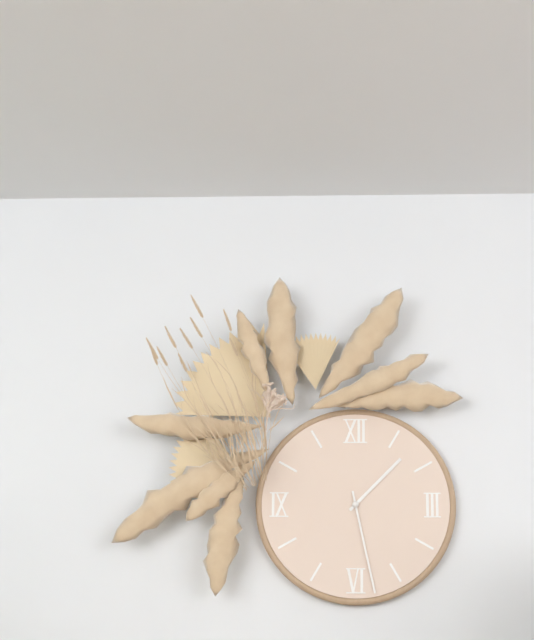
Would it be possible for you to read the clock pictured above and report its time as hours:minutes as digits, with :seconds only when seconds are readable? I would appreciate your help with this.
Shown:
1:28
